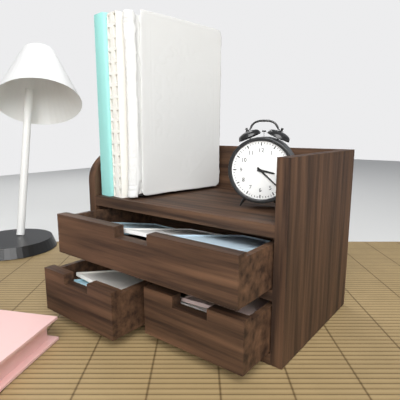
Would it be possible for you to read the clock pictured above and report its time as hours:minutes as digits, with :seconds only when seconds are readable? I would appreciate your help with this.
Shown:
3:22
